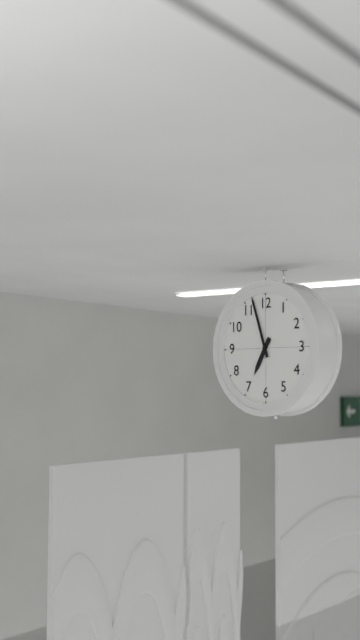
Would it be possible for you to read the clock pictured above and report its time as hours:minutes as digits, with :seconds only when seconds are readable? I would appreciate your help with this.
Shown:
6:57
